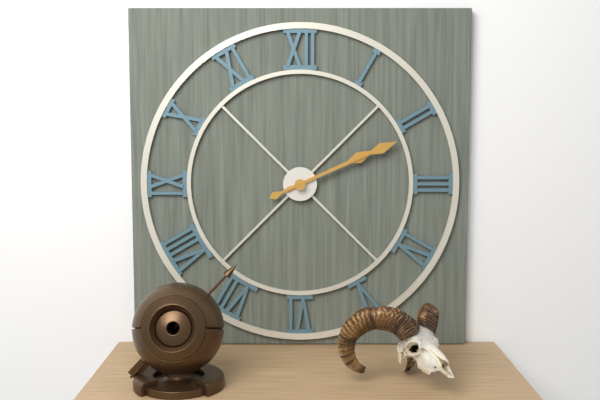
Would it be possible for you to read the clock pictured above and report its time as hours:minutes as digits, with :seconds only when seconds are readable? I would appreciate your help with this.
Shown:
2:11
